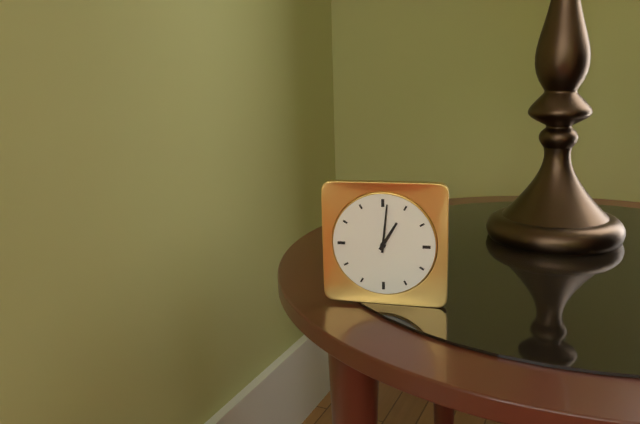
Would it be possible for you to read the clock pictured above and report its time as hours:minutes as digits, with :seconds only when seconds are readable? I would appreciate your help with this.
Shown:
1:01
